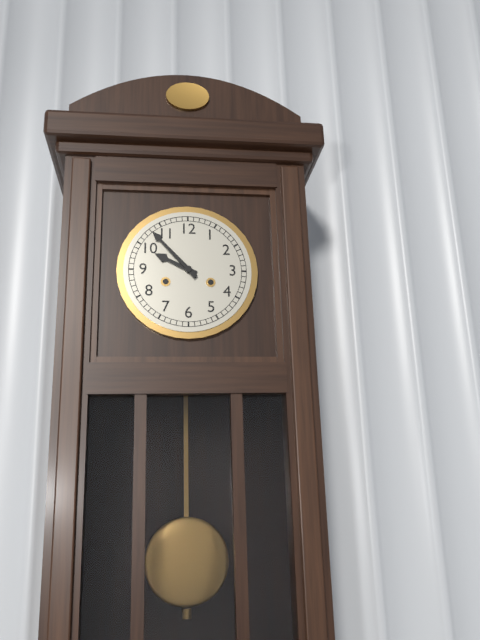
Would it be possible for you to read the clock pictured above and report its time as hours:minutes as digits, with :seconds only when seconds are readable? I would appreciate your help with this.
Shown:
9:53
